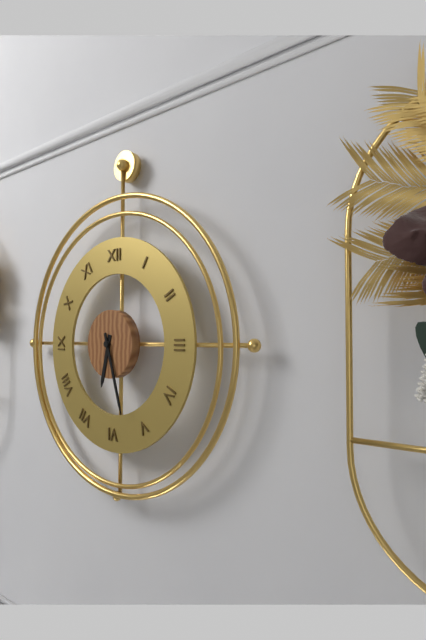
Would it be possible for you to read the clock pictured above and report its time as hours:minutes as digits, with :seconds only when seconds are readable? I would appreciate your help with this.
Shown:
6:27
